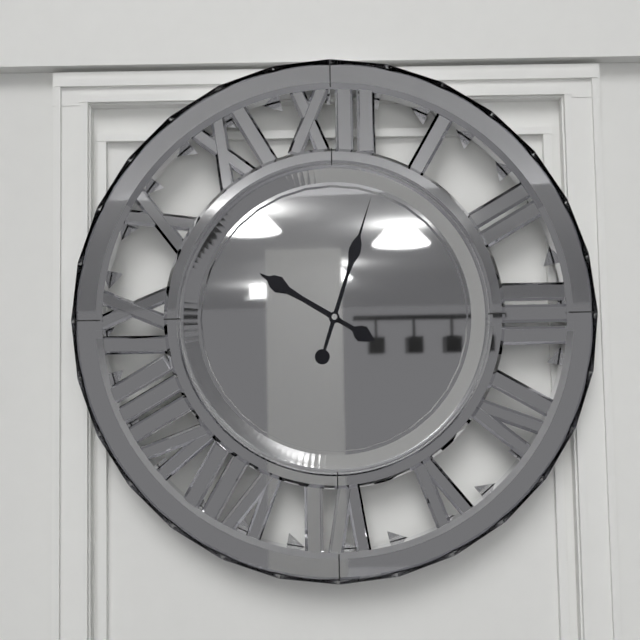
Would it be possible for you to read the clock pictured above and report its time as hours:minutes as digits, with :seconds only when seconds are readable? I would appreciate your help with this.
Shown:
10:03
